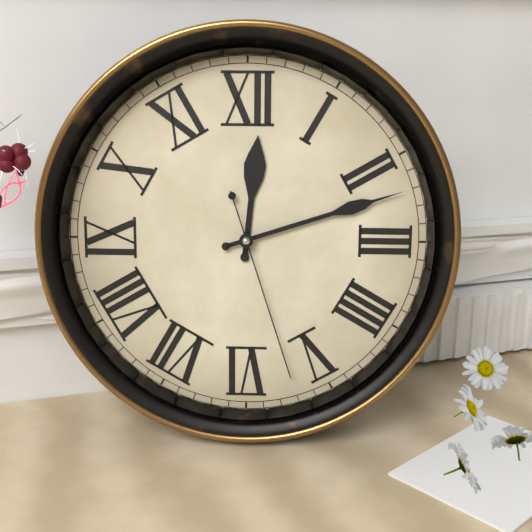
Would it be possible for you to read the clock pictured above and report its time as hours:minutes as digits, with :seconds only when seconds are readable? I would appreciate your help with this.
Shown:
12:12:27
